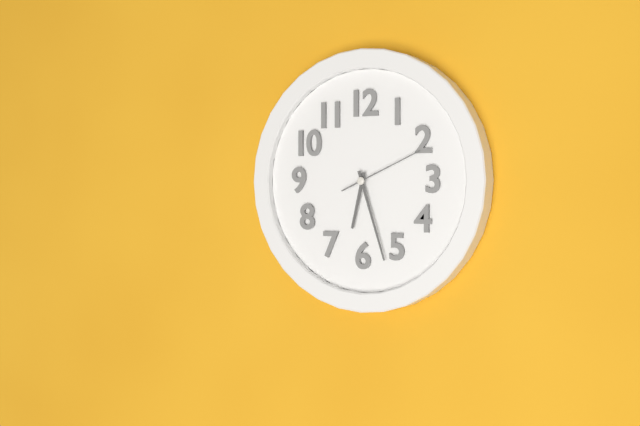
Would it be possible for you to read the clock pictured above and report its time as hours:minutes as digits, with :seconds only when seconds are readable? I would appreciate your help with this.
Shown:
6:27:11
